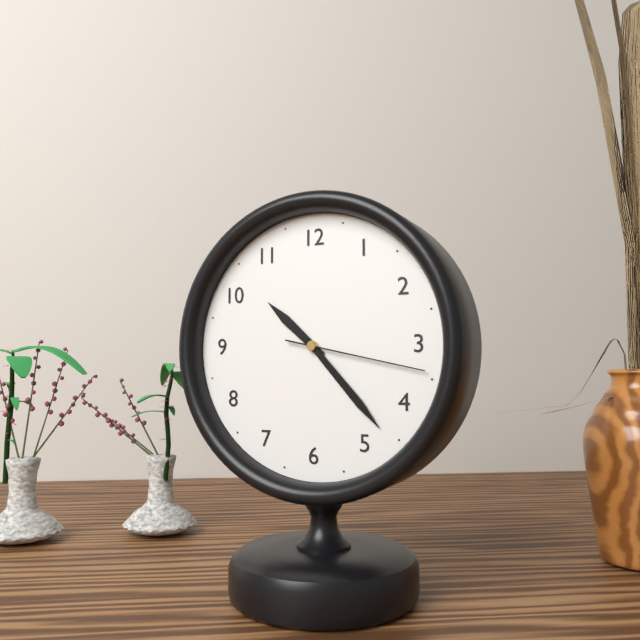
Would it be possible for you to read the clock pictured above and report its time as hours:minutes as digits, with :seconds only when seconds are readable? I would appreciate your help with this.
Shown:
10:23:17
